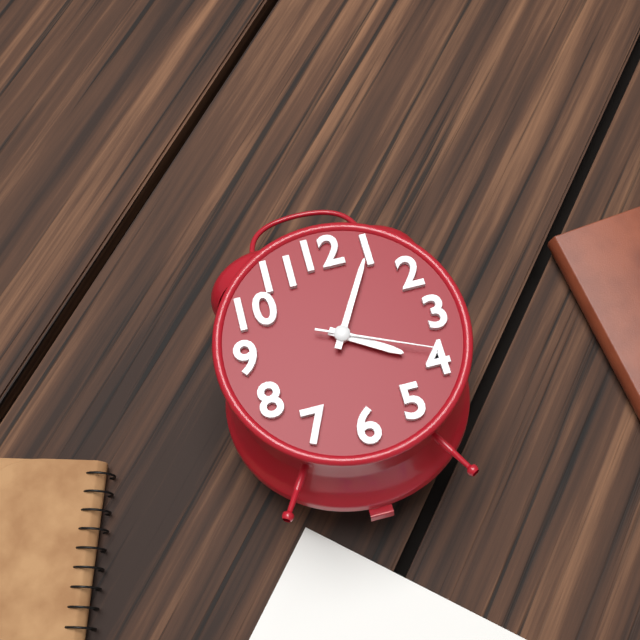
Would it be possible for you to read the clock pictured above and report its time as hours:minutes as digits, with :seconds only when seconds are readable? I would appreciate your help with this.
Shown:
4:05:19
